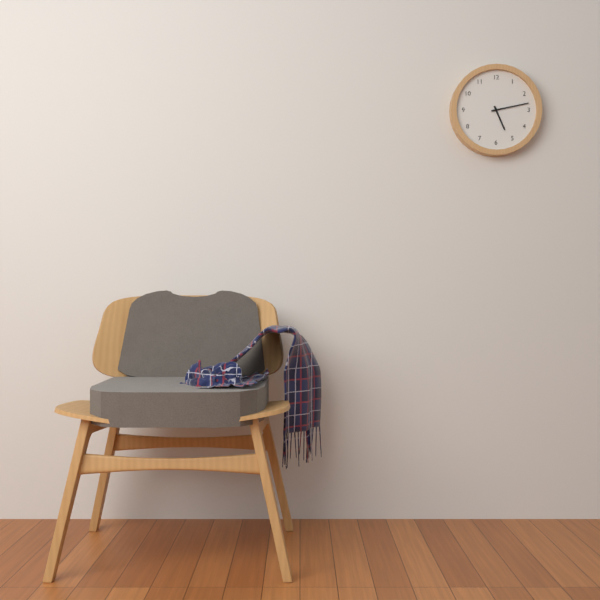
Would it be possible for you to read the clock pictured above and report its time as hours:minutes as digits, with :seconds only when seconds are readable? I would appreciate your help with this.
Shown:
5:13
